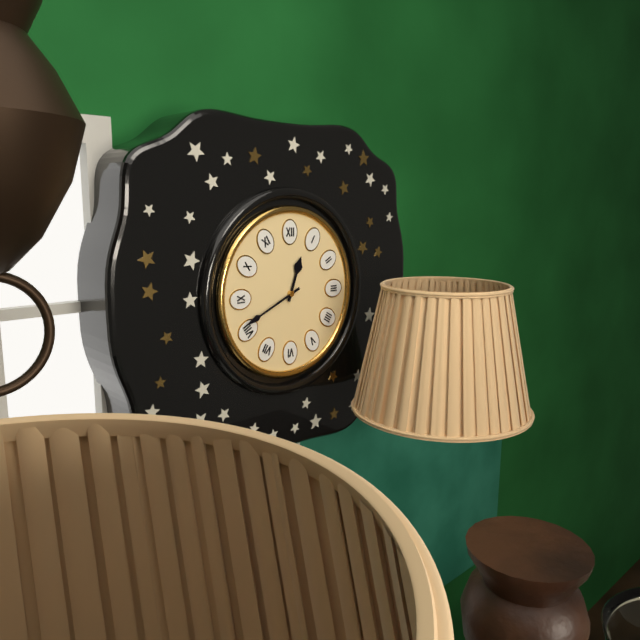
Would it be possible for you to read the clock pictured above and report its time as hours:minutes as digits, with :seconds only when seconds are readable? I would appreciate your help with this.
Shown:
12:41
